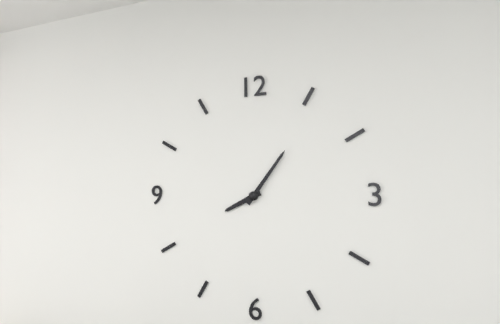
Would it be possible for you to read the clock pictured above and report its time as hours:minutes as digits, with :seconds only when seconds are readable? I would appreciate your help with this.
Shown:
8:06
